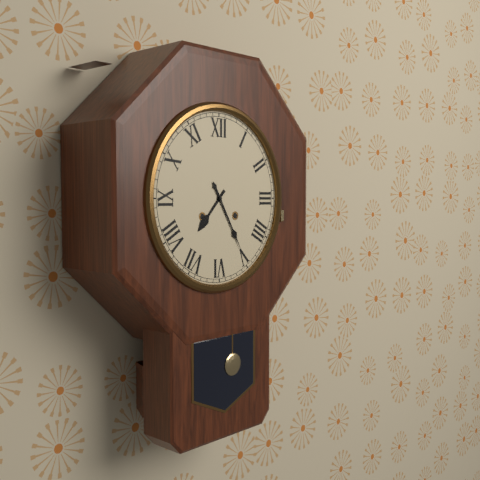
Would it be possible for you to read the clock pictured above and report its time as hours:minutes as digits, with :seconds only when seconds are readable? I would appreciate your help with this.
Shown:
7:25
